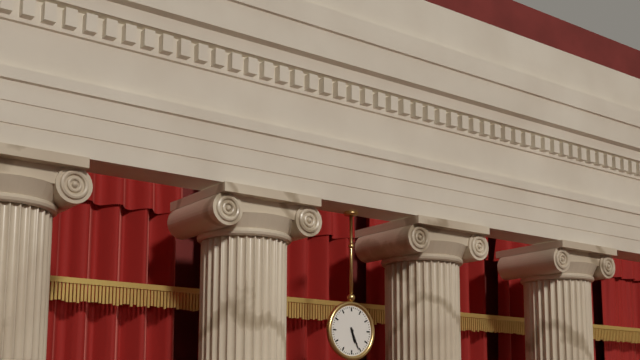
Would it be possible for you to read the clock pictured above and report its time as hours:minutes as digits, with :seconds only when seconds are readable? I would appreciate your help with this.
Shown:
5:26
